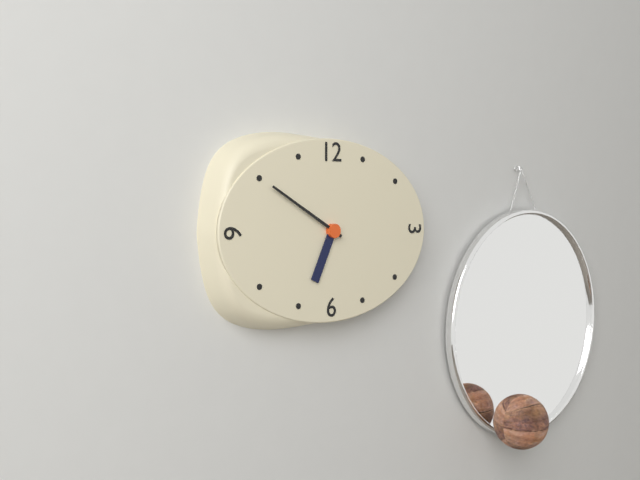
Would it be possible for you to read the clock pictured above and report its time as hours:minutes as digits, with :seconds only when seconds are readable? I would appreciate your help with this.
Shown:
6:50
